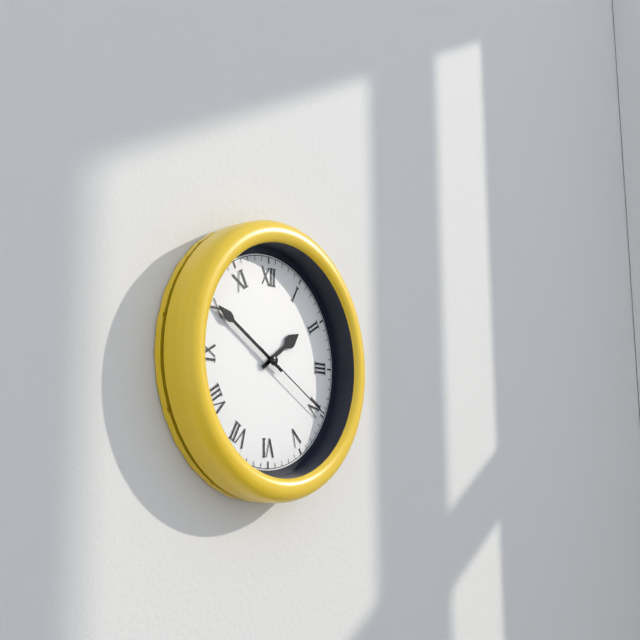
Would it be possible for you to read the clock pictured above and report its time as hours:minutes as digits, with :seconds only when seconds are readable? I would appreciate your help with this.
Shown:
1:50:20
